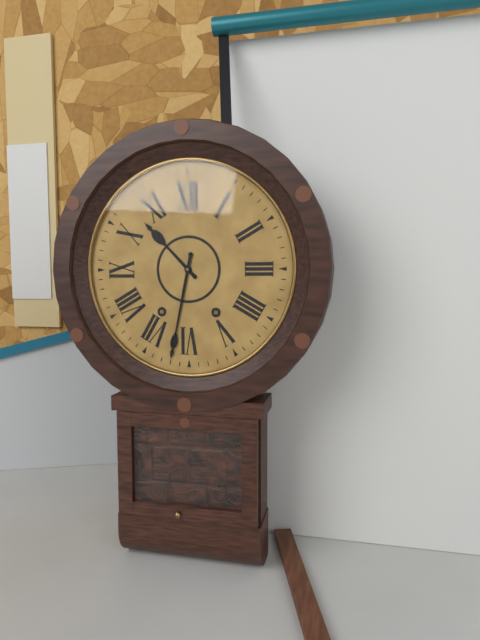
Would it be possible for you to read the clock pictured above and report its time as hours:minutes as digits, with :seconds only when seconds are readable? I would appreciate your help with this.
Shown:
10:32
